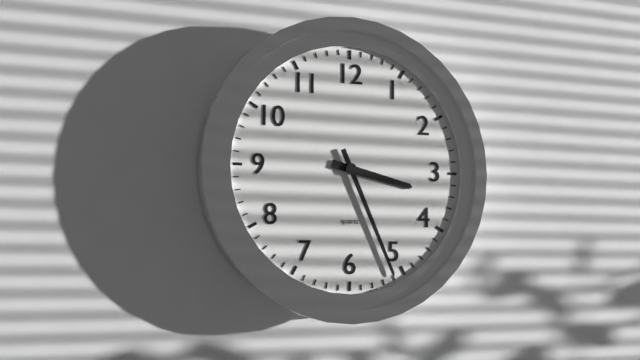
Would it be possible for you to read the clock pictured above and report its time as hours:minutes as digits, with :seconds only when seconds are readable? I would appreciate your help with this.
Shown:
3:26
